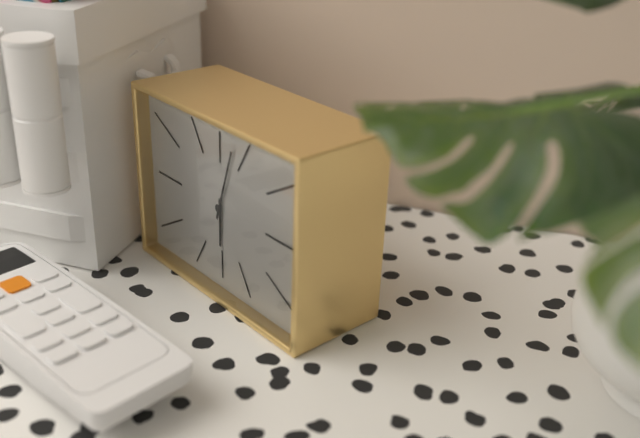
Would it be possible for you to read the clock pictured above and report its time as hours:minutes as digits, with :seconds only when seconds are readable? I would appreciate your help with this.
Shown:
6:03
